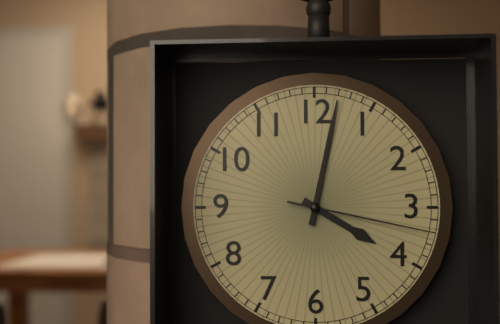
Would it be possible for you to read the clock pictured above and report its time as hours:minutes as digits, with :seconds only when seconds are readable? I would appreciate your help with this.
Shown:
4:02:17
